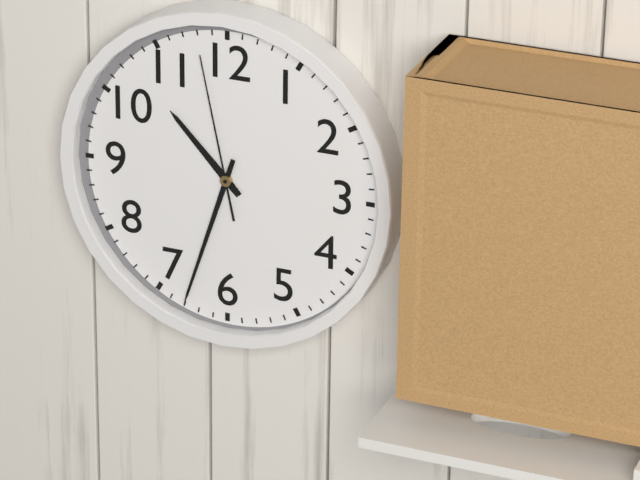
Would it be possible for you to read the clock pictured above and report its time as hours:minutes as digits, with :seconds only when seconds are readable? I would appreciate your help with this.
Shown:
10:33:58
